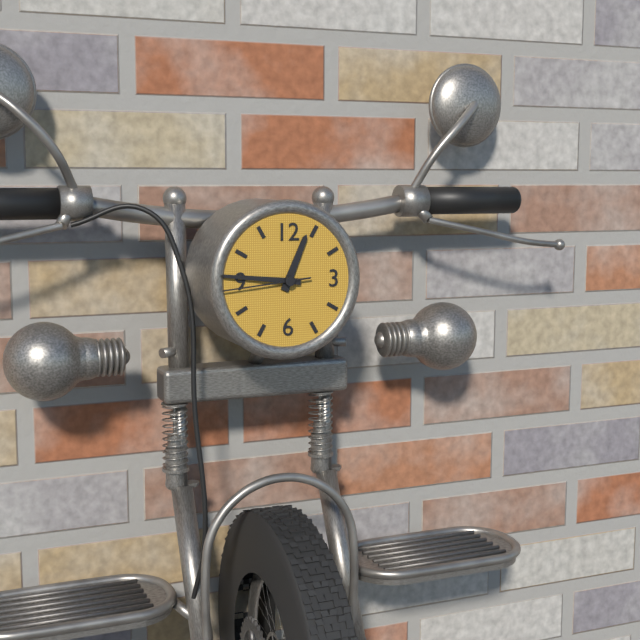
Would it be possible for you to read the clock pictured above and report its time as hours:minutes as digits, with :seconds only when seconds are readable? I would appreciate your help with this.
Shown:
12:46:44
